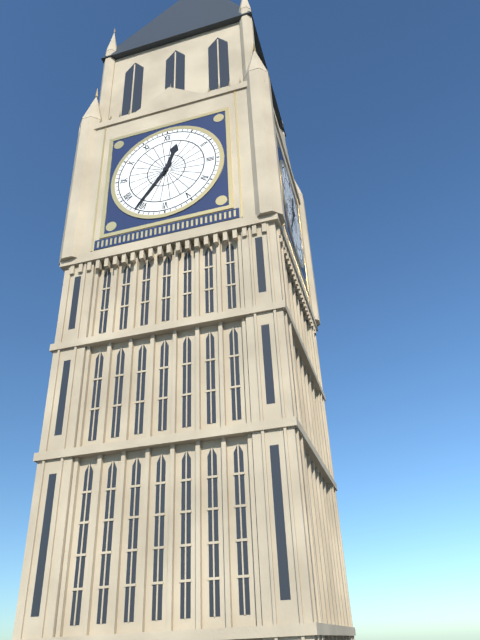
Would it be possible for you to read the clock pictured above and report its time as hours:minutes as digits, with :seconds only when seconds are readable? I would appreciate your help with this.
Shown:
12:36
